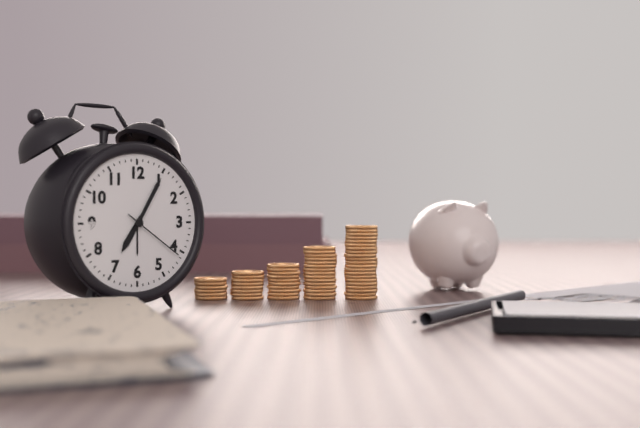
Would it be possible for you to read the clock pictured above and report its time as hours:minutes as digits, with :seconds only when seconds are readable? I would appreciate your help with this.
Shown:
7:05:21
